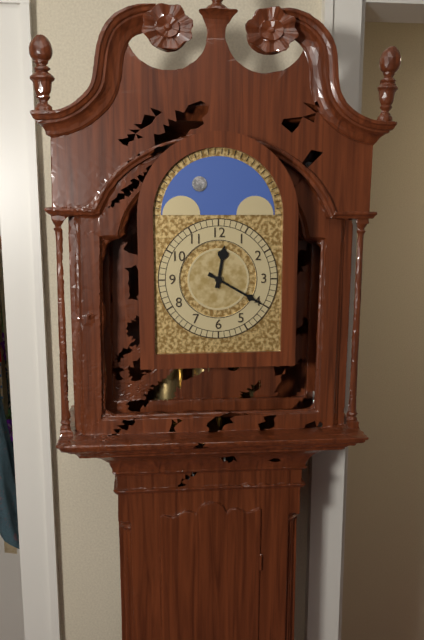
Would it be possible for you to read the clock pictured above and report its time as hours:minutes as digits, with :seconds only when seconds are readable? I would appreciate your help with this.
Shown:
12:20
